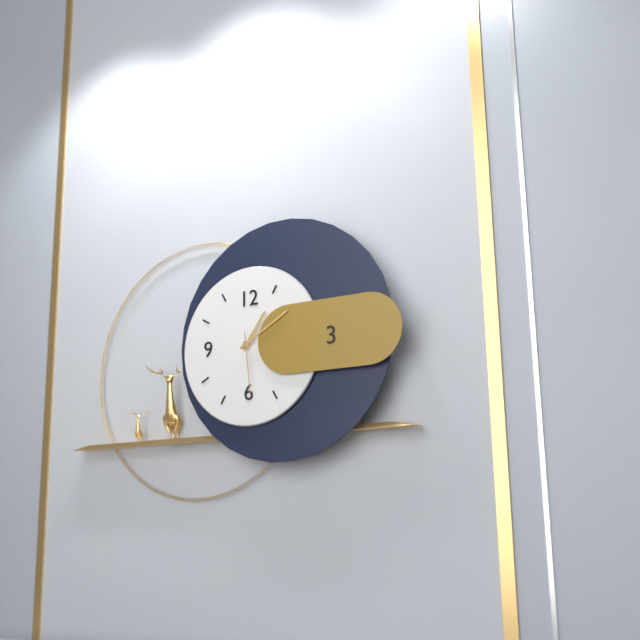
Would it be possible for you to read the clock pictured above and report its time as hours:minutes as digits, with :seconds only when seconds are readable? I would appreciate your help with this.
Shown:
1:10:29
